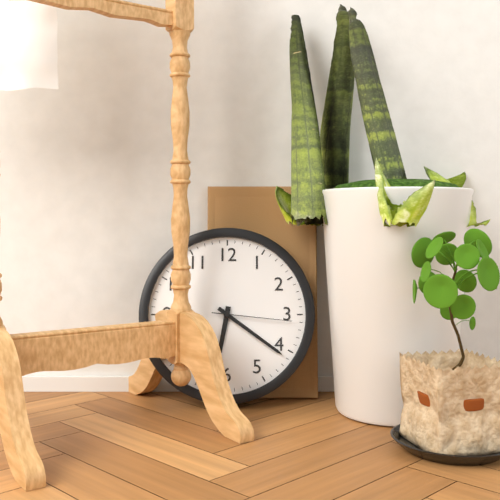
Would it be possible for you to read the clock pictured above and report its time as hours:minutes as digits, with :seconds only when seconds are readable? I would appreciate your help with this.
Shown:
6:21:16
